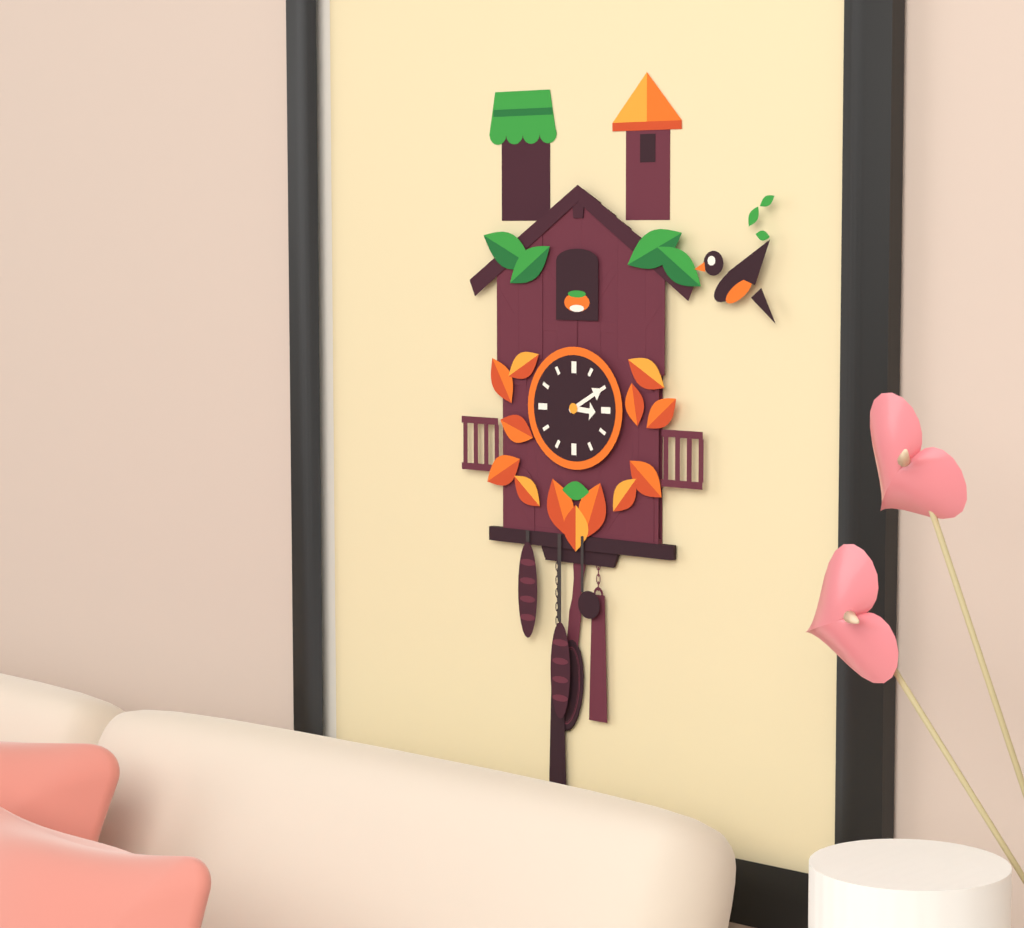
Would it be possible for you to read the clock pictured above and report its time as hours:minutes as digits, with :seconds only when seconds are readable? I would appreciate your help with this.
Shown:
3:10
